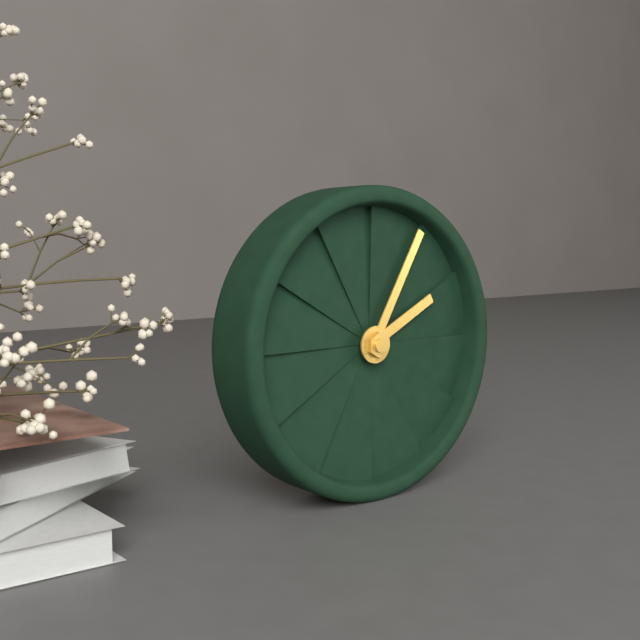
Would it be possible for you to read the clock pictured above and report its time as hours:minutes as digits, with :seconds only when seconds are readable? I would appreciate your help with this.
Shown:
2:05
